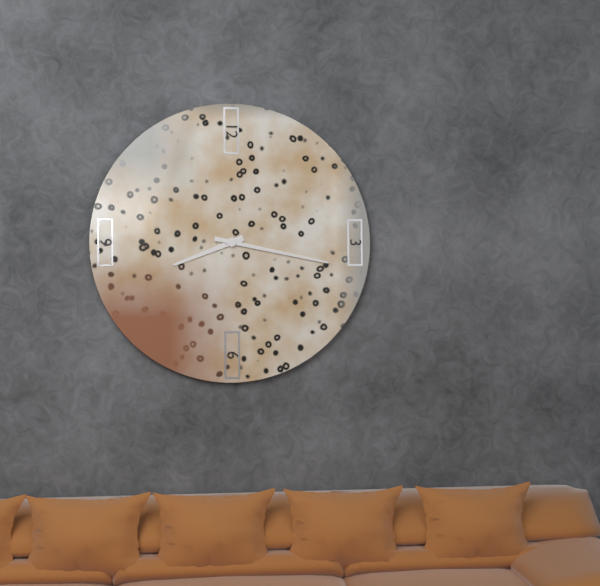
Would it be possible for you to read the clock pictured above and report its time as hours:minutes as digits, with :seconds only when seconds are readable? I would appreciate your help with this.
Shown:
8:17
